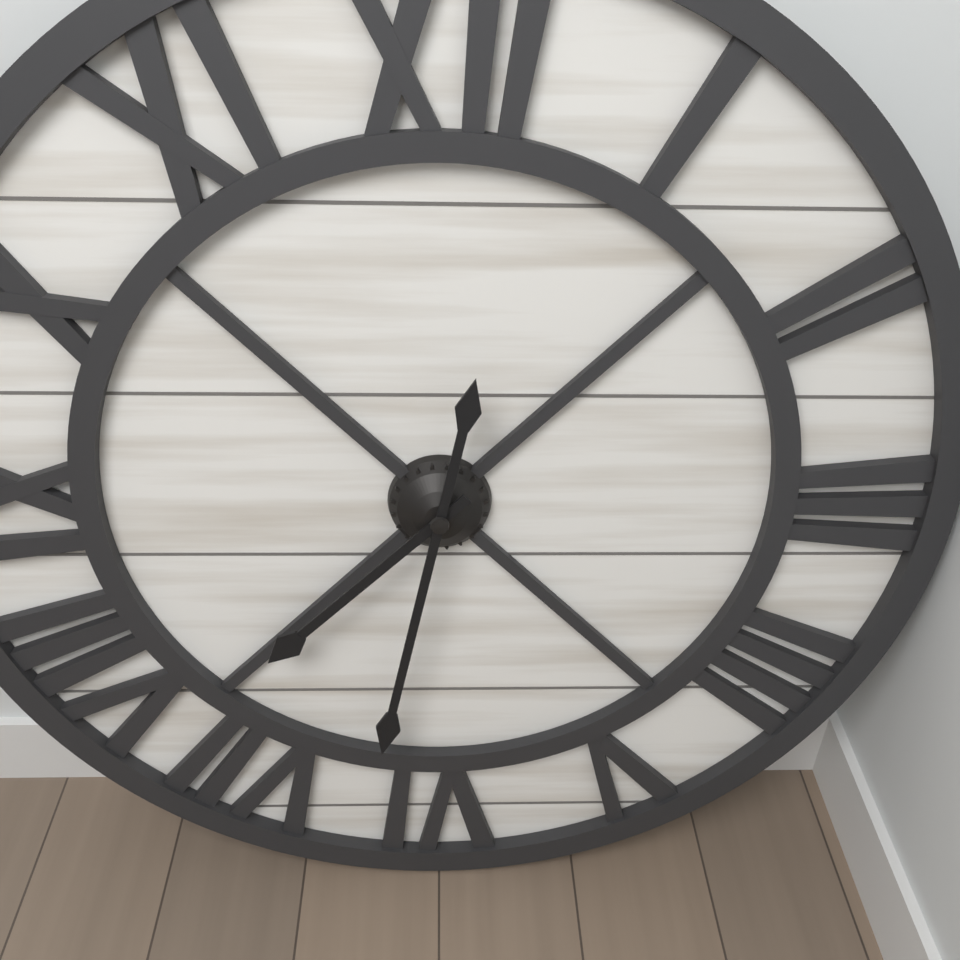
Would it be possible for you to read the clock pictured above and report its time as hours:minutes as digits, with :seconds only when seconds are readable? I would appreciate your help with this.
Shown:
7:32
